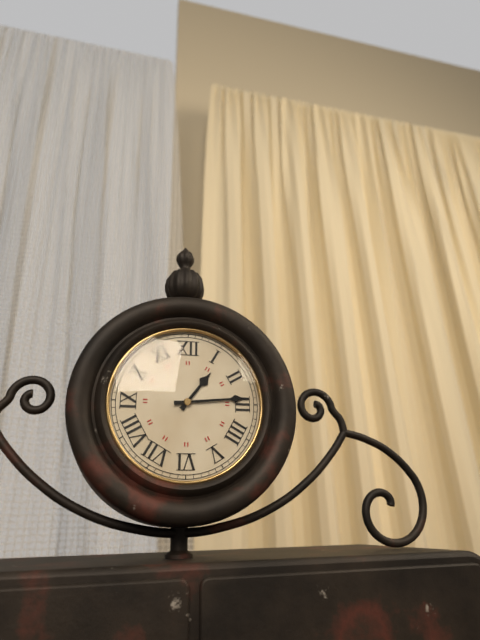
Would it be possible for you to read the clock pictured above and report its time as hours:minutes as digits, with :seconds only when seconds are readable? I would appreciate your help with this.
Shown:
1:14
